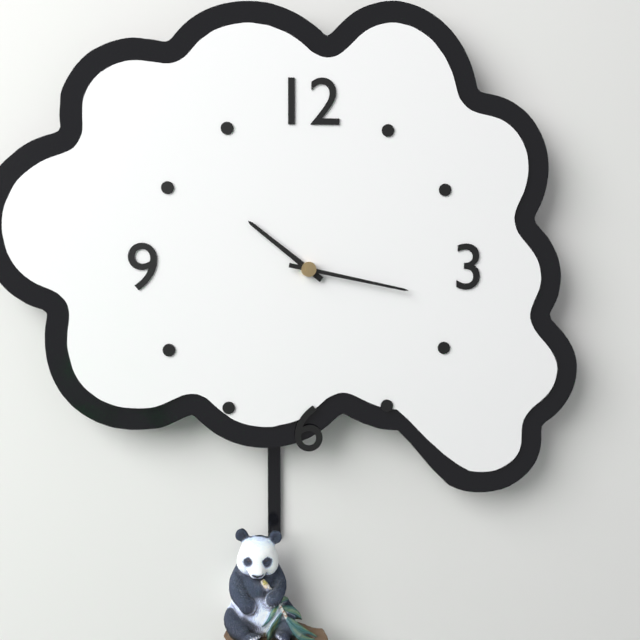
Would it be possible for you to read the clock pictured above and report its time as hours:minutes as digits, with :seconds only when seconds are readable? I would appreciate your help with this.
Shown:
10:17
